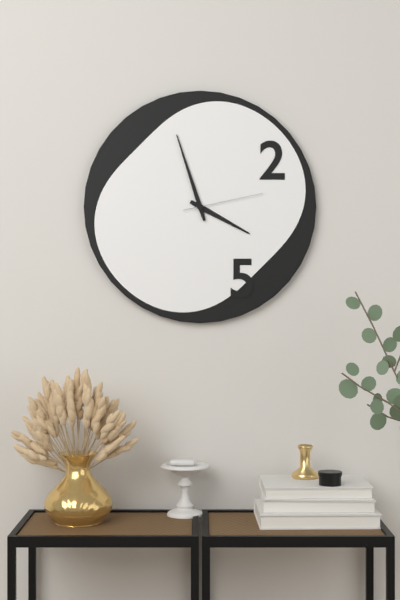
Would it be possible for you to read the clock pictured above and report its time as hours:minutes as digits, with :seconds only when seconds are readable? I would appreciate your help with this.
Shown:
3:57:13
